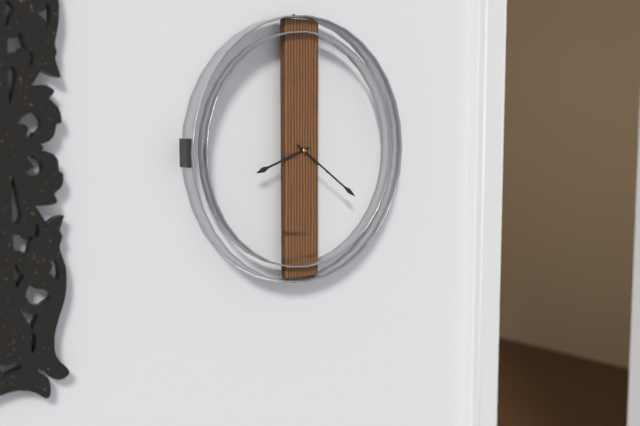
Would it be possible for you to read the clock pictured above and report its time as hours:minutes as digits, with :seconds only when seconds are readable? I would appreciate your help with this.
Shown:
8:21
